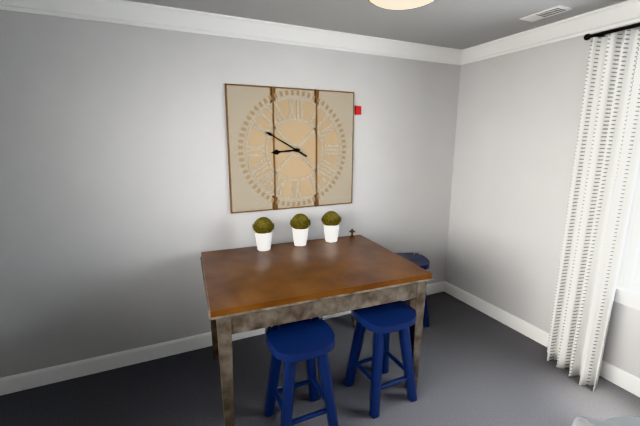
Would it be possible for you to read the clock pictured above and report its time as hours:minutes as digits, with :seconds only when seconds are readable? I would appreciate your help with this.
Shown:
8:50
